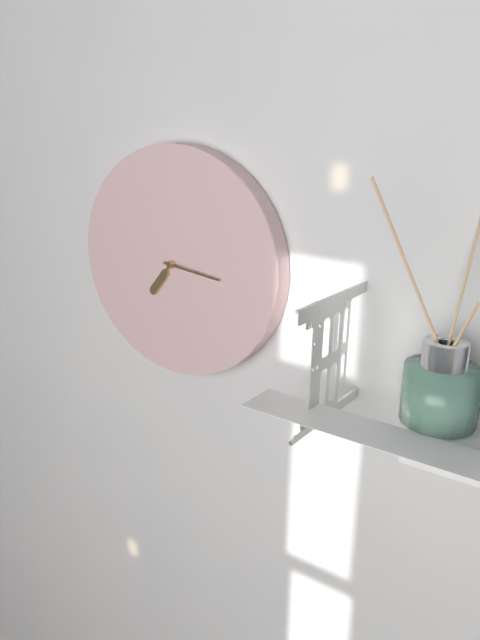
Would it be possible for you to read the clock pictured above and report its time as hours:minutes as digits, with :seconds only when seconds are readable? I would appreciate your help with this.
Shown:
7:16
